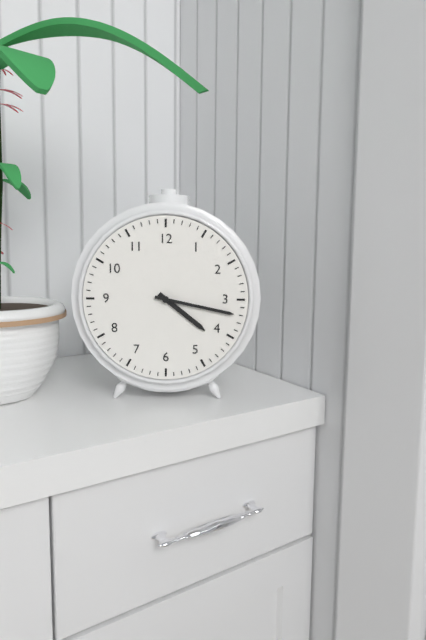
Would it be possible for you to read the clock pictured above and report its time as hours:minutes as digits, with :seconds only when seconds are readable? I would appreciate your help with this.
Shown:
4:17
